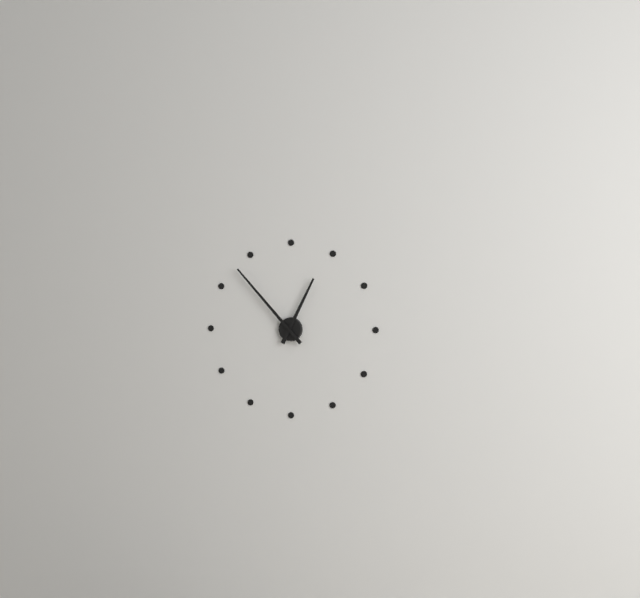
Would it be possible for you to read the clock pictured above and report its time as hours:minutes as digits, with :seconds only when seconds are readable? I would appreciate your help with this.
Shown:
12:53
